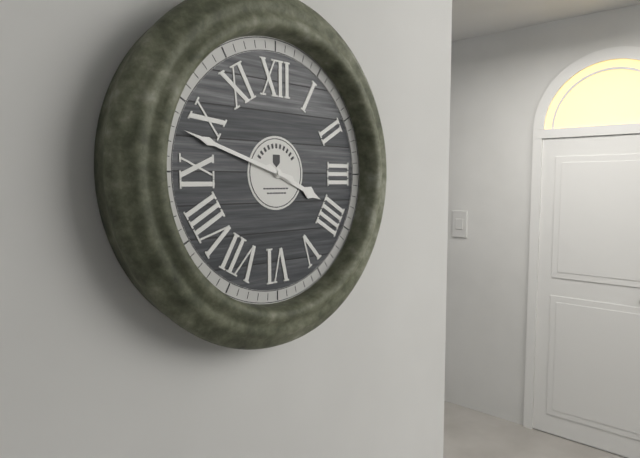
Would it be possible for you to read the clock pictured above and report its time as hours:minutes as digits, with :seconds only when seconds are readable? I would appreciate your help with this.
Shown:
3:48
